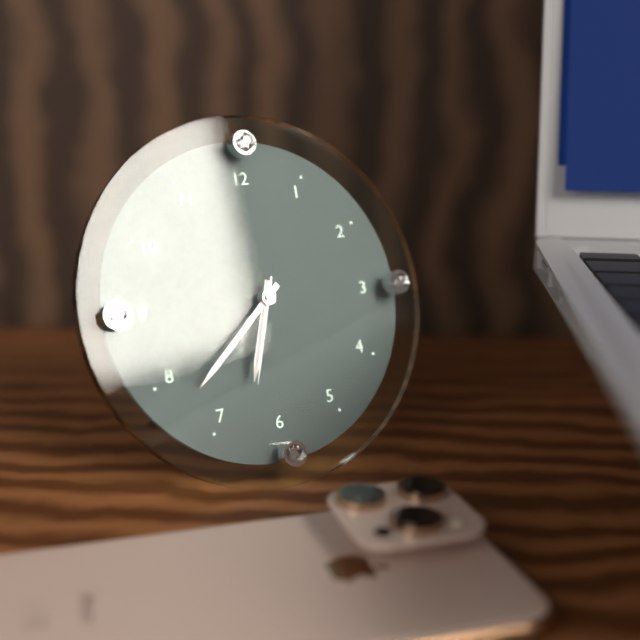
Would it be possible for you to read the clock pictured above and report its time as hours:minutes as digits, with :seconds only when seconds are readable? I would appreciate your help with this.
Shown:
6:38:33
